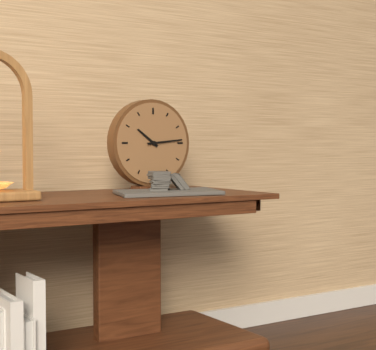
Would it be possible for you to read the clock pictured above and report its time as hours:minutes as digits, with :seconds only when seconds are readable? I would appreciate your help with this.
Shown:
10:14
